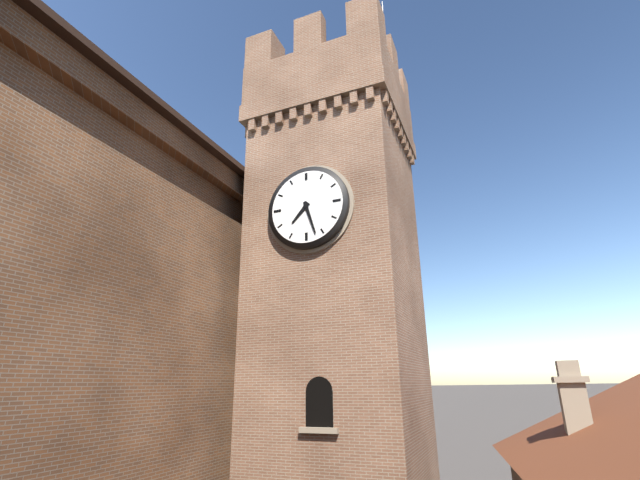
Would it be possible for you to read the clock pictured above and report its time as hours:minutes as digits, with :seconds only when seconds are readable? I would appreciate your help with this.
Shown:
7:27
